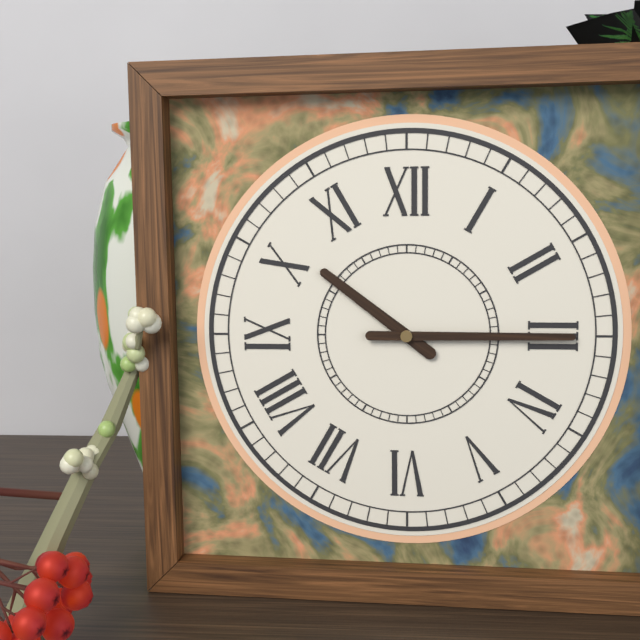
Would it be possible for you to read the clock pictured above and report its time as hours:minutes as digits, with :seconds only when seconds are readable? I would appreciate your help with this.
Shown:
10:15
